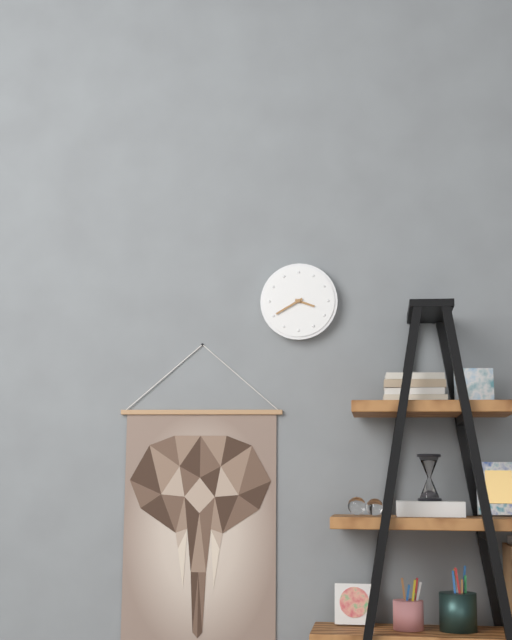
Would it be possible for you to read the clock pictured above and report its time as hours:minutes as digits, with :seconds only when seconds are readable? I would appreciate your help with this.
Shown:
3:40
